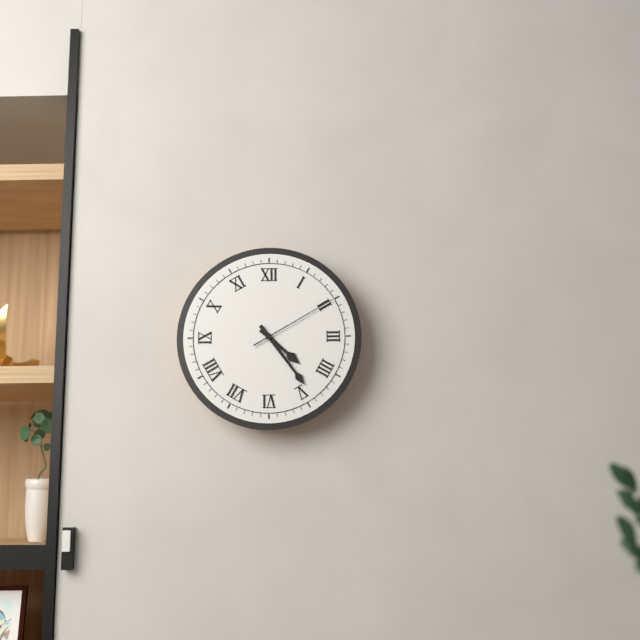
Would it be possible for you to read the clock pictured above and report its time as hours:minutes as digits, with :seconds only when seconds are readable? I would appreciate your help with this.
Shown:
4:24:10
